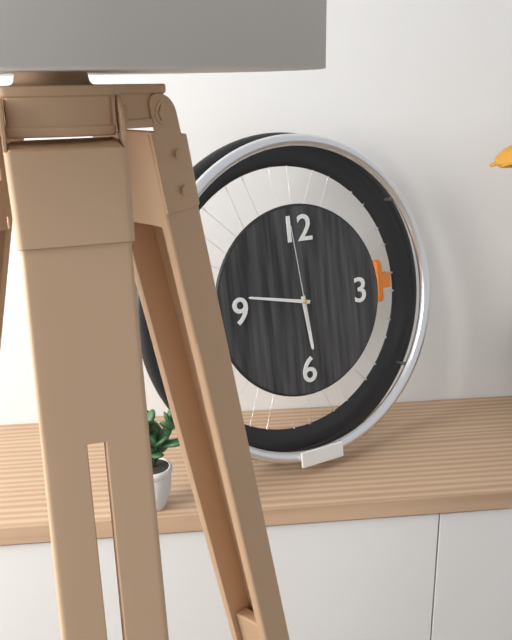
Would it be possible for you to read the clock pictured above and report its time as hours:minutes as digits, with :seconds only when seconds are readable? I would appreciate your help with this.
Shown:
5:47:59
